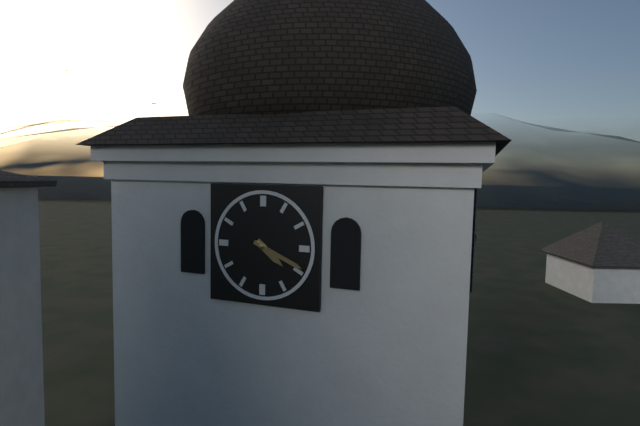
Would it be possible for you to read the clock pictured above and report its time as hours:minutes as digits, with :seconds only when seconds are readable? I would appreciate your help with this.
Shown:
4:19
